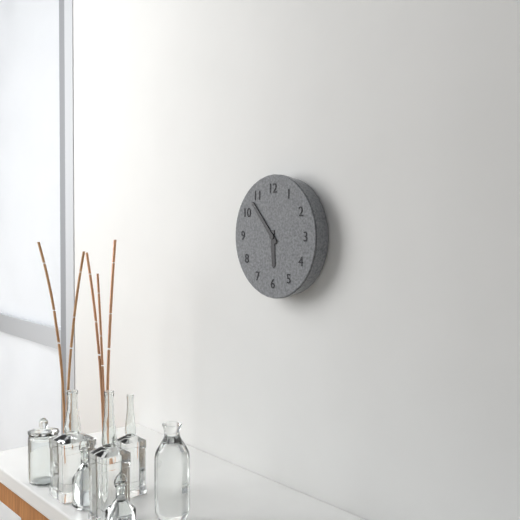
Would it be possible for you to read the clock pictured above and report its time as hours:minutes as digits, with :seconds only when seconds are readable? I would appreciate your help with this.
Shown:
5:53
